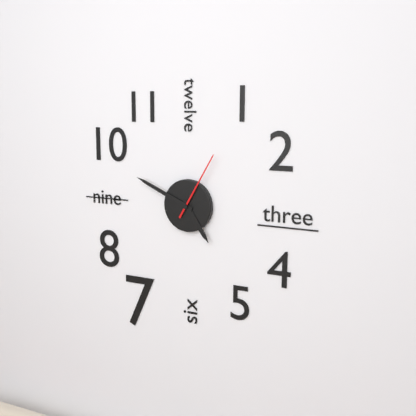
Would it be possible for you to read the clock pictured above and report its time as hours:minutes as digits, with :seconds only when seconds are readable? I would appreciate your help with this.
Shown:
4:49:05
